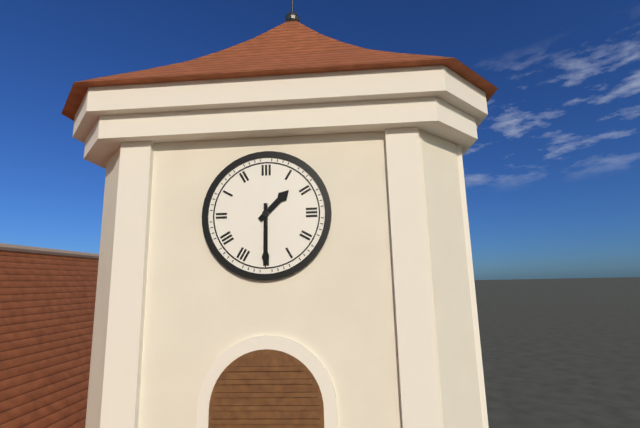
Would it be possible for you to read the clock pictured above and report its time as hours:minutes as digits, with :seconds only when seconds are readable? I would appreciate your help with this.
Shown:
1:30
